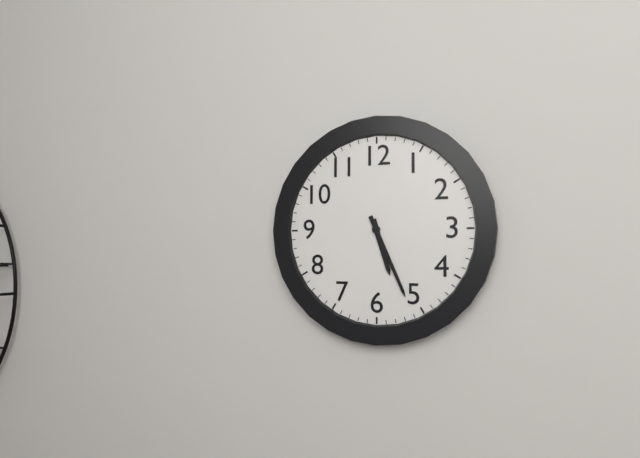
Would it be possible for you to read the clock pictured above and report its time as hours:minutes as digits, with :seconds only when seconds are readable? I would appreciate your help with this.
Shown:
5:26
